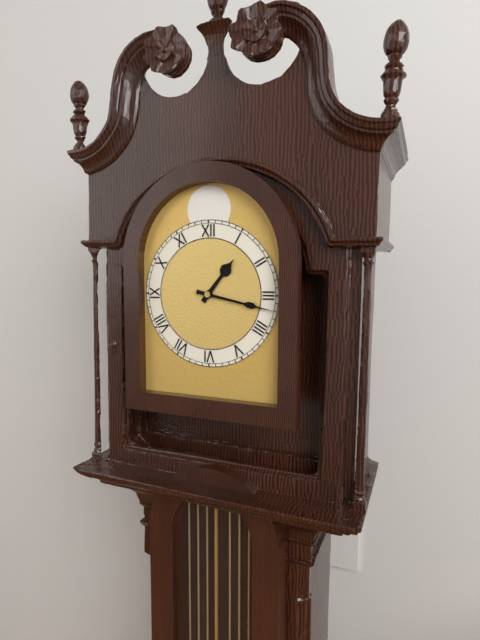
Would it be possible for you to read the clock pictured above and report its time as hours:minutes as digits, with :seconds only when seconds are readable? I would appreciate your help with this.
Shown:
1:17
